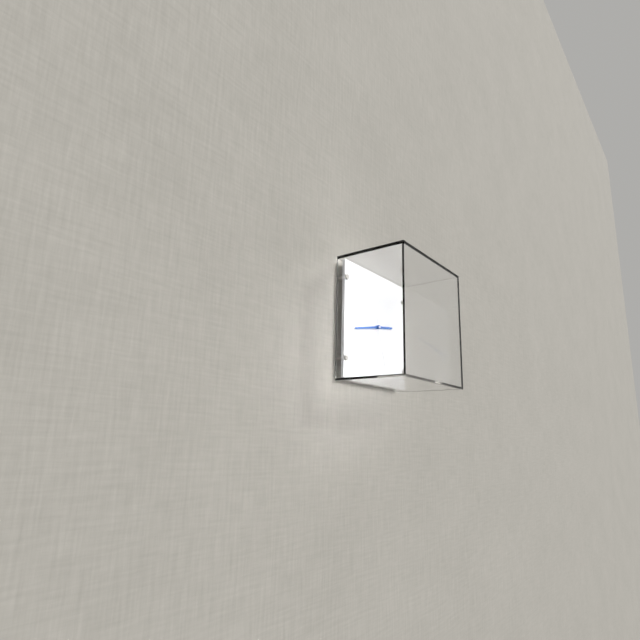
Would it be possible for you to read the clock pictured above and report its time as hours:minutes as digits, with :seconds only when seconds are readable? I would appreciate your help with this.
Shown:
2:43:27
